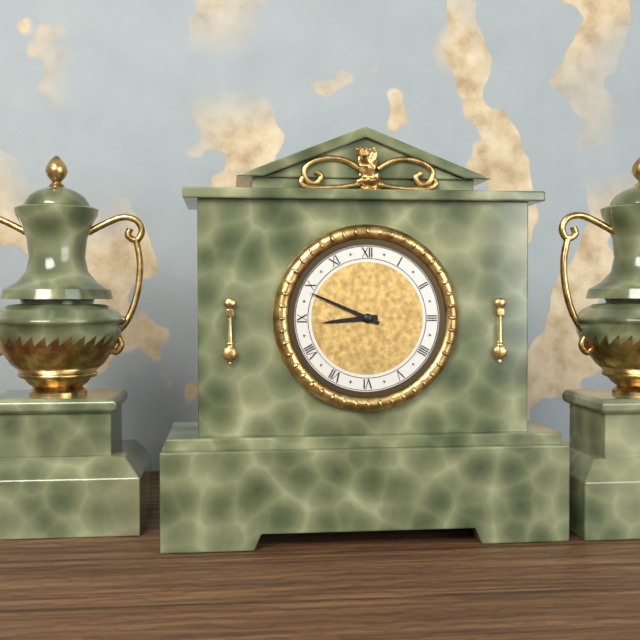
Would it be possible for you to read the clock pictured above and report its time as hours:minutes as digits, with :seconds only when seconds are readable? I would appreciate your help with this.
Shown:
8:49
